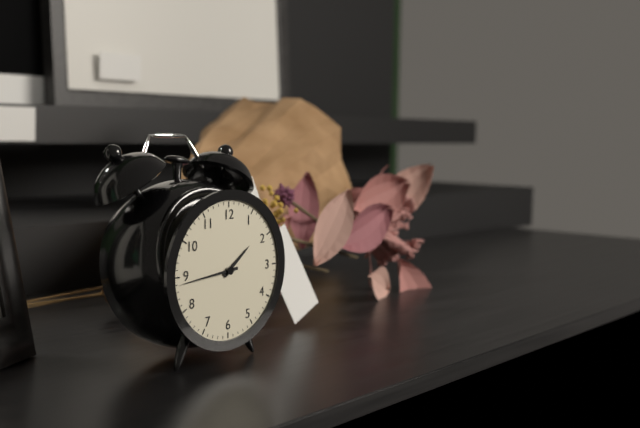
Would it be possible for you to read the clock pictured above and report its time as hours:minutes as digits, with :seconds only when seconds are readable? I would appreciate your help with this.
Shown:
1:44
